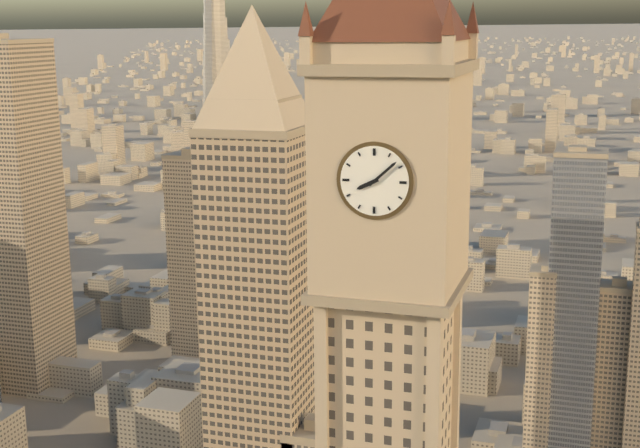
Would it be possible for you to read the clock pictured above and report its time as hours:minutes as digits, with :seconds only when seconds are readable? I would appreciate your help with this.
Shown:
8:08
